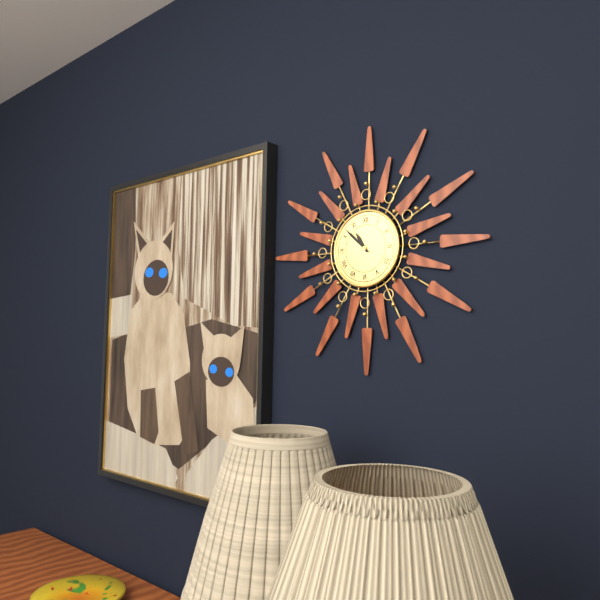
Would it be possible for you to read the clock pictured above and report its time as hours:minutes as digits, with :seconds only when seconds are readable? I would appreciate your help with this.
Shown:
10:52
